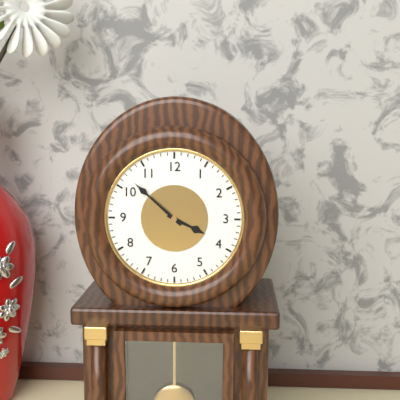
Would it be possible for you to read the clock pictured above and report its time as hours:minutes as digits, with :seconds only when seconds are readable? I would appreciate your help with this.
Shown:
3:52
